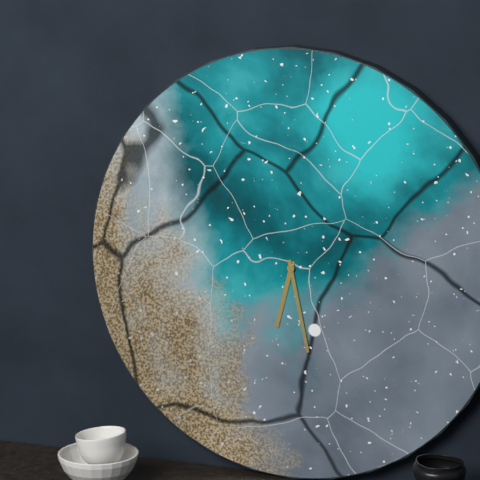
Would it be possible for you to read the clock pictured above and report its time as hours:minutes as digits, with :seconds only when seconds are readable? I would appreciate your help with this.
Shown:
6:28
